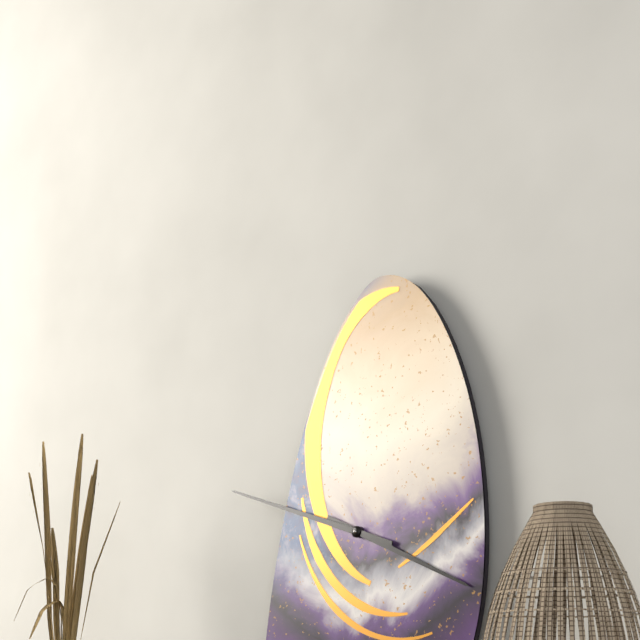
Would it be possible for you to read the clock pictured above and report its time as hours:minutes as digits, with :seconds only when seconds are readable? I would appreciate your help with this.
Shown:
3:48
